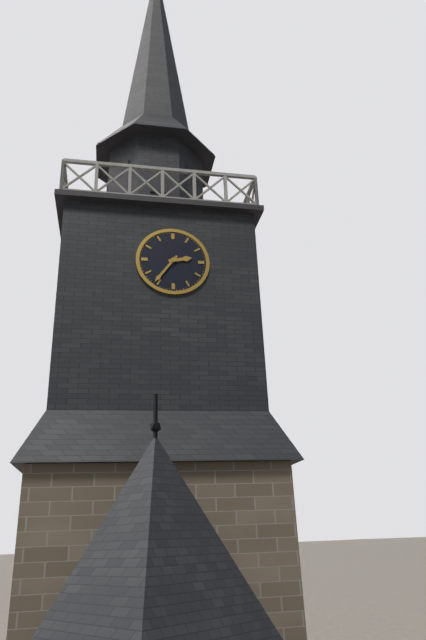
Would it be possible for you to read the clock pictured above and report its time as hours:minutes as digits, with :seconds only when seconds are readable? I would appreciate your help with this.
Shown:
2:36
